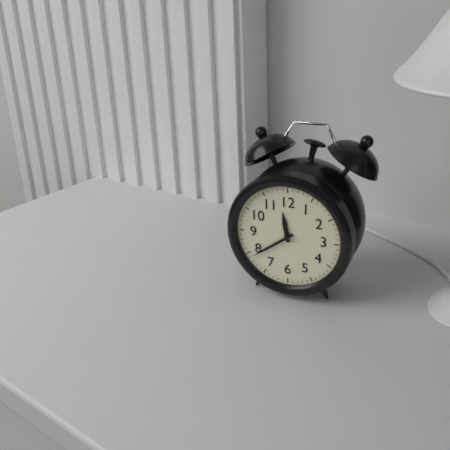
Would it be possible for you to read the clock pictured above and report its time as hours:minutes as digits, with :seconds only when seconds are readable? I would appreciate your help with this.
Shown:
11:39
